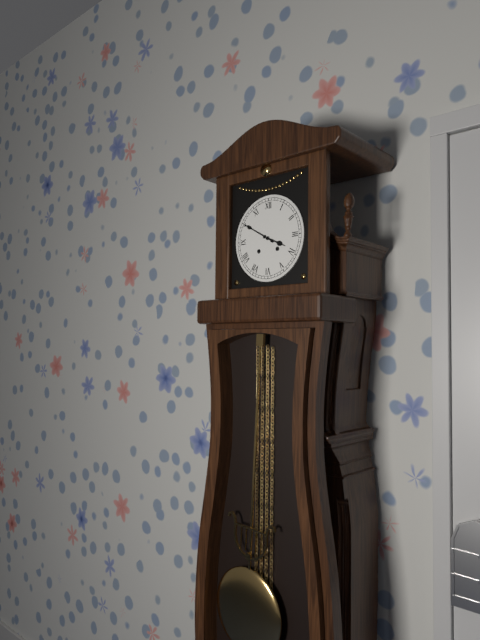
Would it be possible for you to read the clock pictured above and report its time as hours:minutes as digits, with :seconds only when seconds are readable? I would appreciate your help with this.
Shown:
3:50
